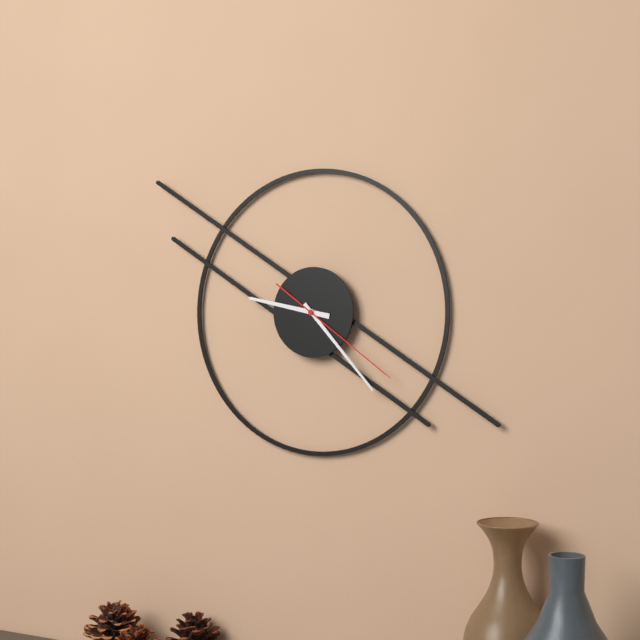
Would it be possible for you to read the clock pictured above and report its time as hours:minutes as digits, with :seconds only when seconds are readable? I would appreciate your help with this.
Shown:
9:23:21
